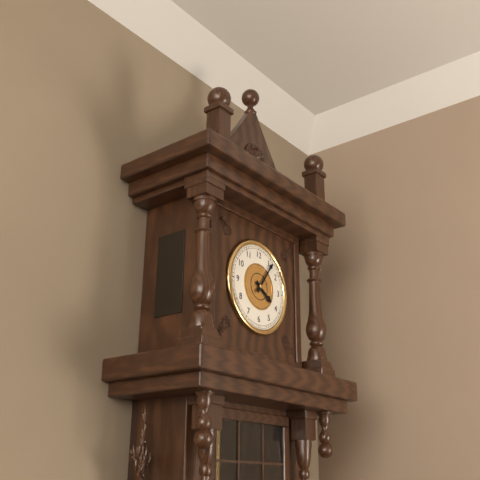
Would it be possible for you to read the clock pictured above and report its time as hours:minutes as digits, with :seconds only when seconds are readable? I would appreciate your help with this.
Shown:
4:06
